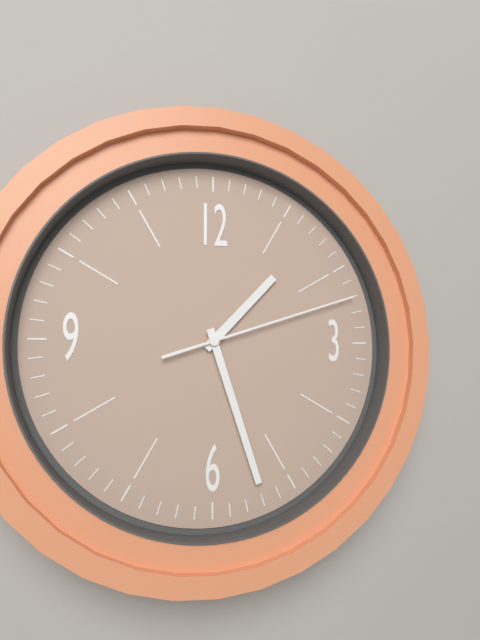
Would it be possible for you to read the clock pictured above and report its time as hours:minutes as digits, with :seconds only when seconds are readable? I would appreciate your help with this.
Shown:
1:27:12
